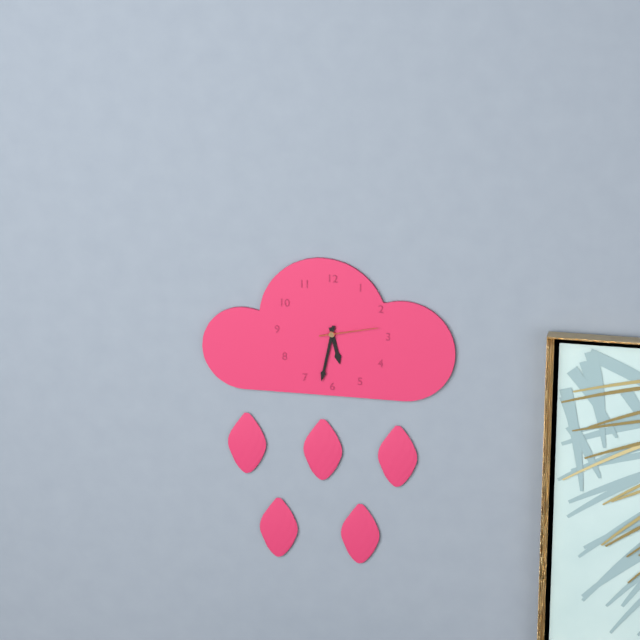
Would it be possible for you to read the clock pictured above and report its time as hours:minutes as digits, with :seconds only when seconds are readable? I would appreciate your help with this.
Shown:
5:32:13
